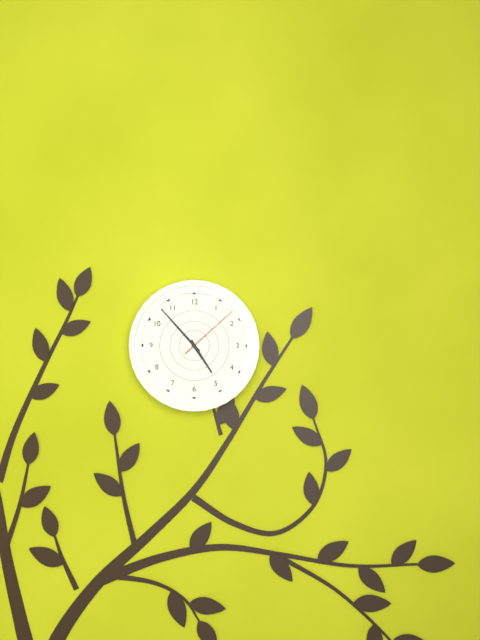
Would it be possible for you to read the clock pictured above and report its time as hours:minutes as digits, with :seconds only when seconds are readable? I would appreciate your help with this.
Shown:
4:53:08
